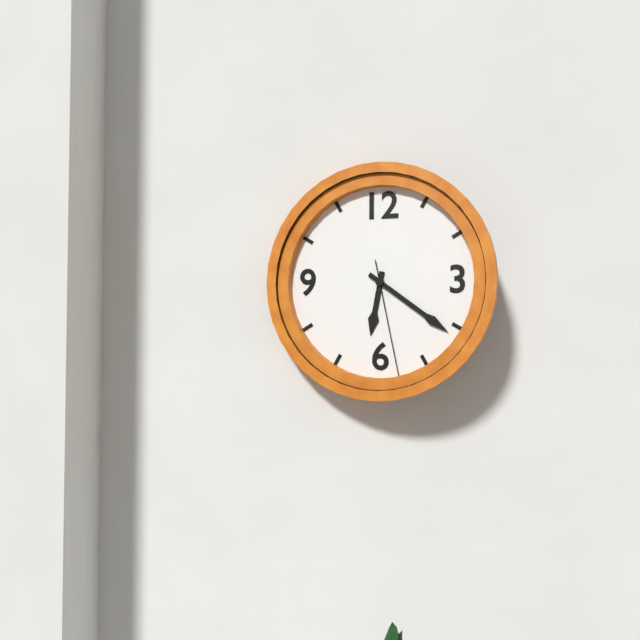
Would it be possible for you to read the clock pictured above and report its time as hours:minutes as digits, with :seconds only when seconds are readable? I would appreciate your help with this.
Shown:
6:21:28
